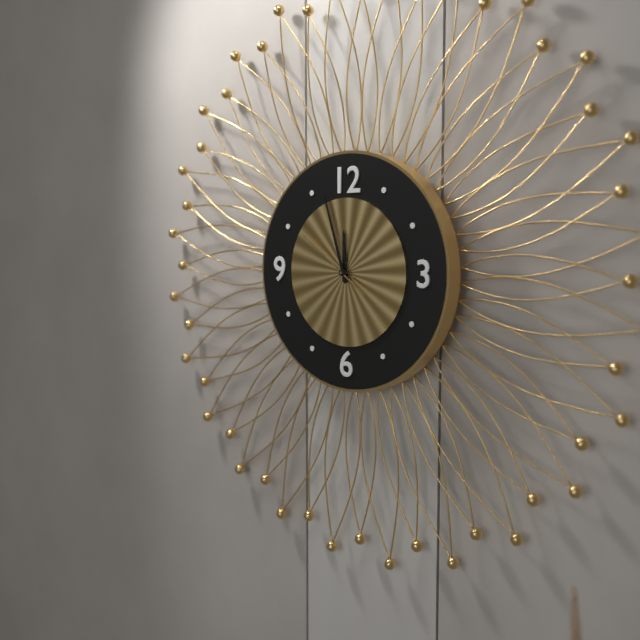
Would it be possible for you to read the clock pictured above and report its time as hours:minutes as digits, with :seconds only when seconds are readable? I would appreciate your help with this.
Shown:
11:57:51
